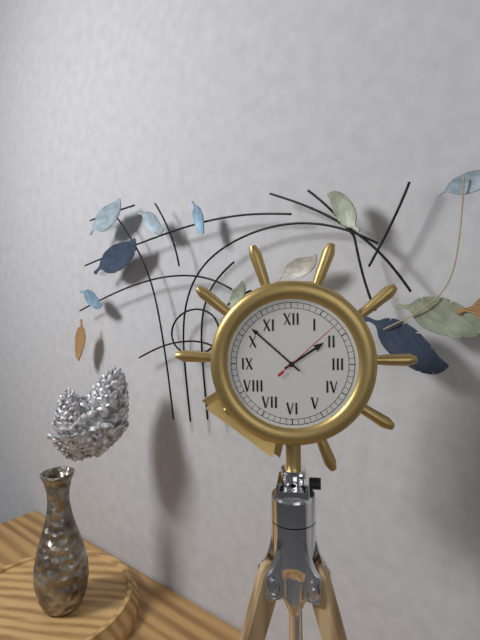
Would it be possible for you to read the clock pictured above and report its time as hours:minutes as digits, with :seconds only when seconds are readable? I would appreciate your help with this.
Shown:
1:52:08
